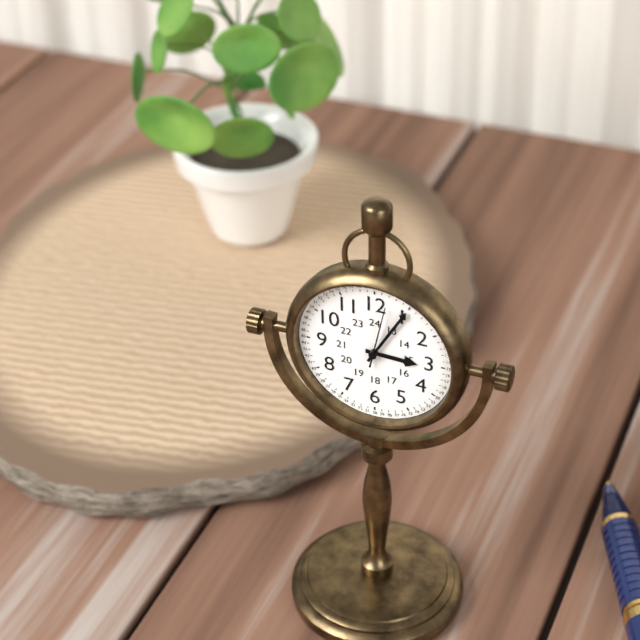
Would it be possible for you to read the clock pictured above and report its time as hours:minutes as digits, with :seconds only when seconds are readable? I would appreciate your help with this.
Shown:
3:05:02
